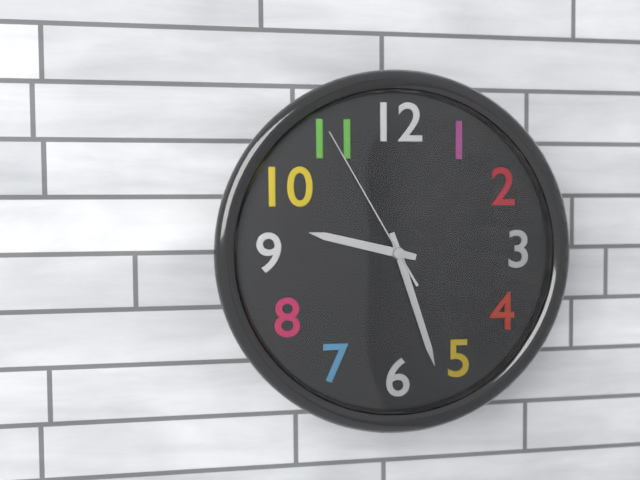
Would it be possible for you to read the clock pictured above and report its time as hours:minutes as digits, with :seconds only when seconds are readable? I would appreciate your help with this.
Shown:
9:27:55
